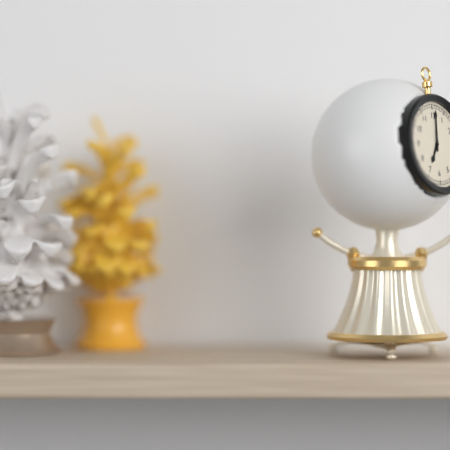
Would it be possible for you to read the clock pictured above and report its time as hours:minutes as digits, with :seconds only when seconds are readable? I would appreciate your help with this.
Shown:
7:01
